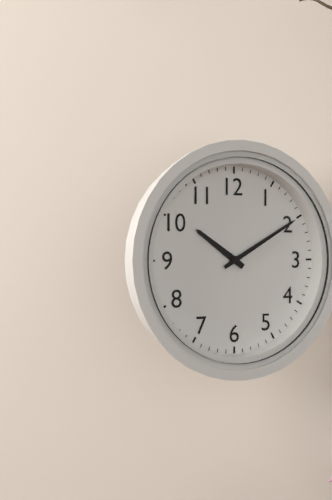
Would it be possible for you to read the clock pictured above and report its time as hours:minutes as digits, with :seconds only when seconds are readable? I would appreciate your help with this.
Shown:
10:10
